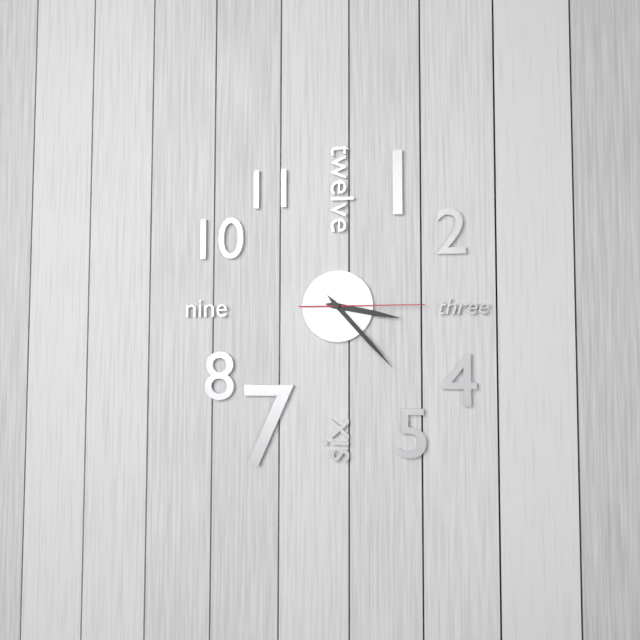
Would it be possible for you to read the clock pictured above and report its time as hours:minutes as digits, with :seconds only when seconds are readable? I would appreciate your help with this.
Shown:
3:23:15
